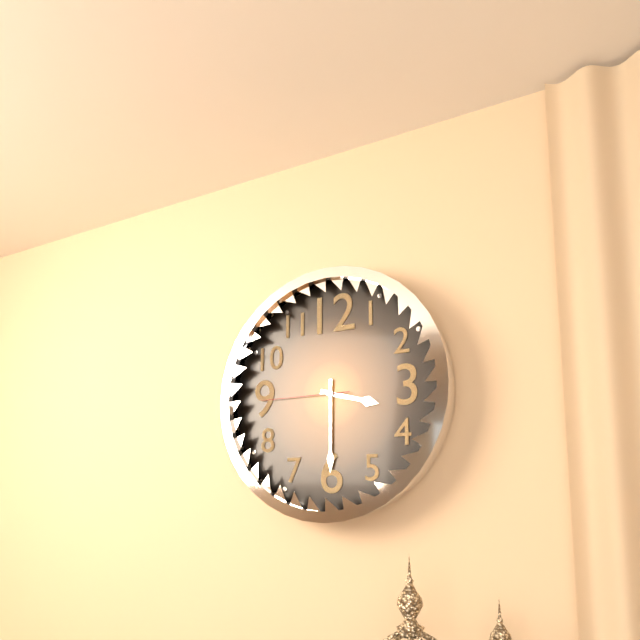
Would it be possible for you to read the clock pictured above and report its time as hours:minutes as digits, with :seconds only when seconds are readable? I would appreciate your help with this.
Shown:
3:30:45
